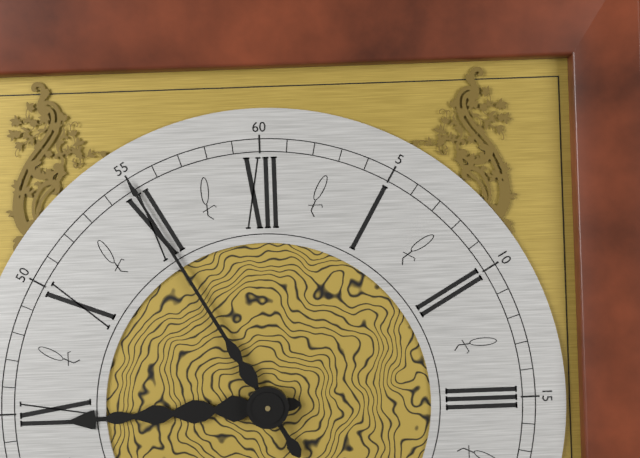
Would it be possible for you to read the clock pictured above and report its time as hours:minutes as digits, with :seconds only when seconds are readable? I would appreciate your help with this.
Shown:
8:55
